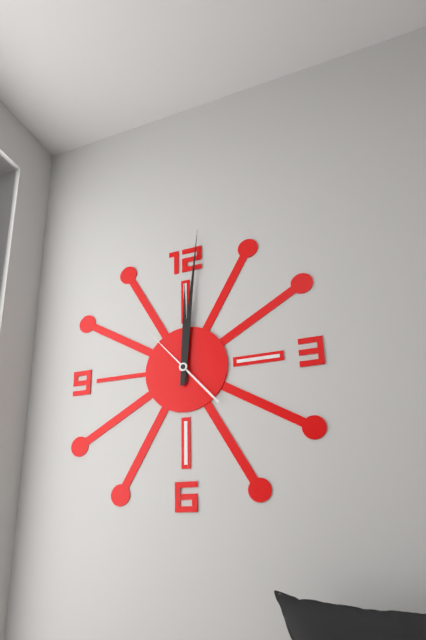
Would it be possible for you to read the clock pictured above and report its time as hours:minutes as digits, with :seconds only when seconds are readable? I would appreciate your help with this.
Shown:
12:01:53
